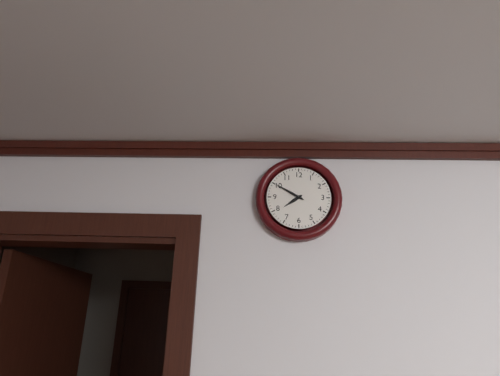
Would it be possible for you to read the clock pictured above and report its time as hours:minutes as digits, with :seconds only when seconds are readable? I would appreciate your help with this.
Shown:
7:50
